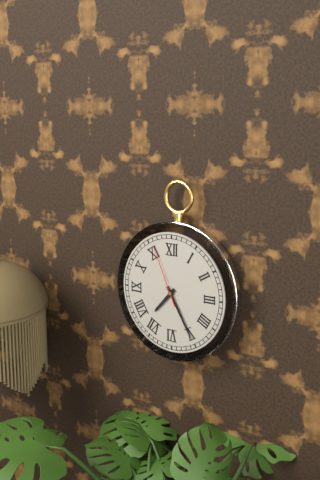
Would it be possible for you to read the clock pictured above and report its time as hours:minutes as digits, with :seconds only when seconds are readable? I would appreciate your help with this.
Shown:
7:25:56
